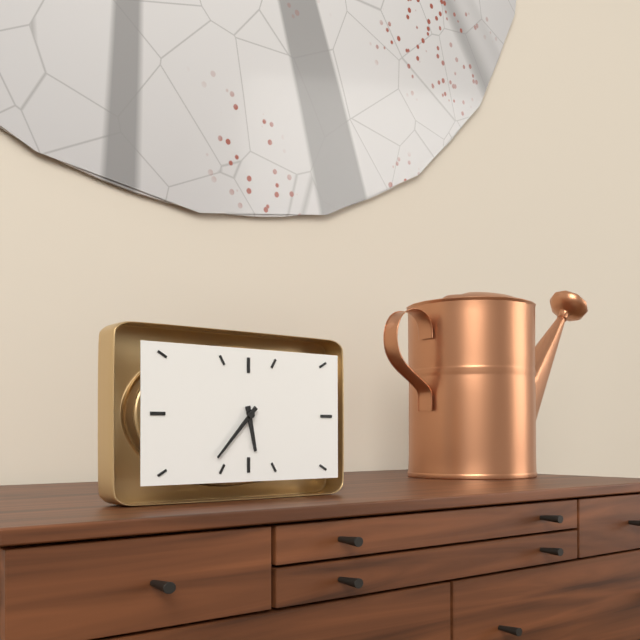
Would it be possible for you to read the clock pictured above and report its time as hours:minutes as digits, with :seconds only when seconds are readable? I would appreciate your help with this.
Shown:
5:37
